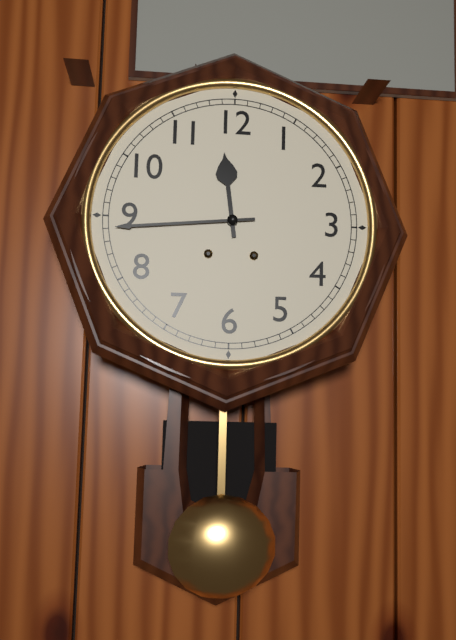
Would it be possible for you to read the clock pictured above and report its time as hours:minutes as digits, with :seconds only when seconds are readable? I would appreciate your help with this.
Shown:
11:44
